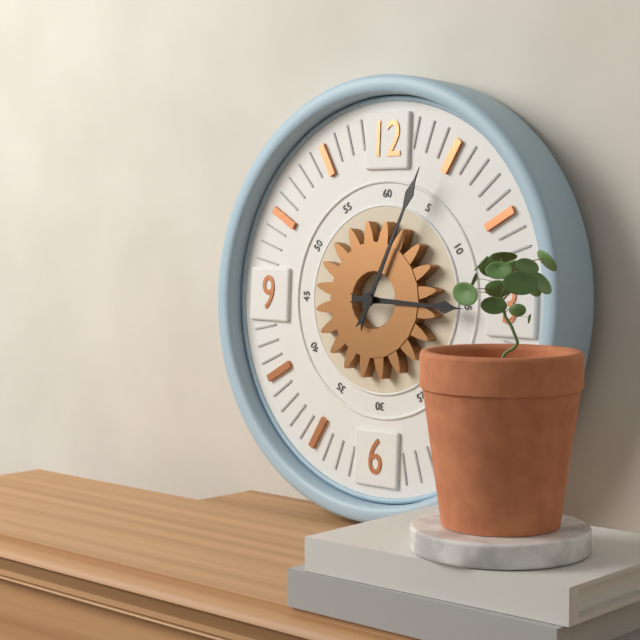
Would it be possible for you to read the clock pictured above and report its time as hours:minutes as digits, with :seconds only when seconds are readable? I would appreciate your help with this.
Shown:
3:04
